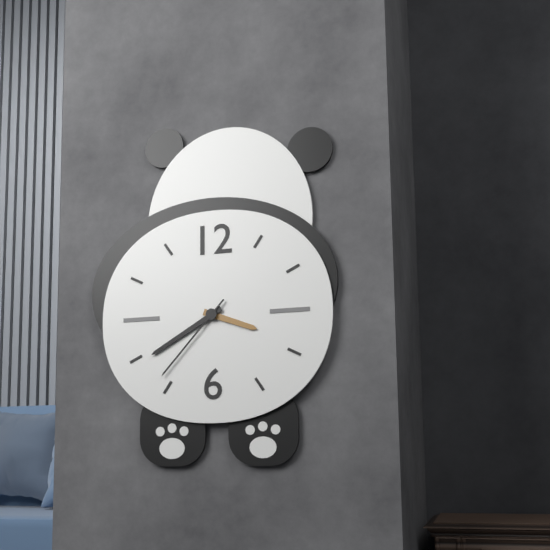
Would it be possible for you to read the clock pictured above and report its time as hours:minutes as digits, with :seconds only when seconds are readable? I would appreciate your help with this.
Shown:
3:40:37
